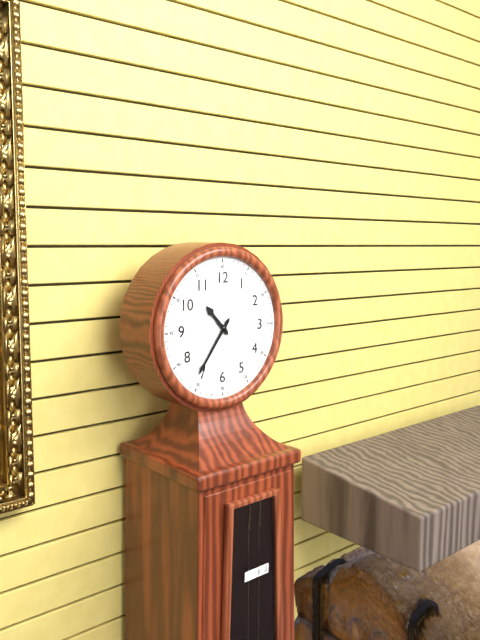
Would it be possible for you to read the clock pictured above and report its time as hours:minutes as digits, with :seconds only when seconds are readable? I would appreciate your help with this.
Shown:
10:36
